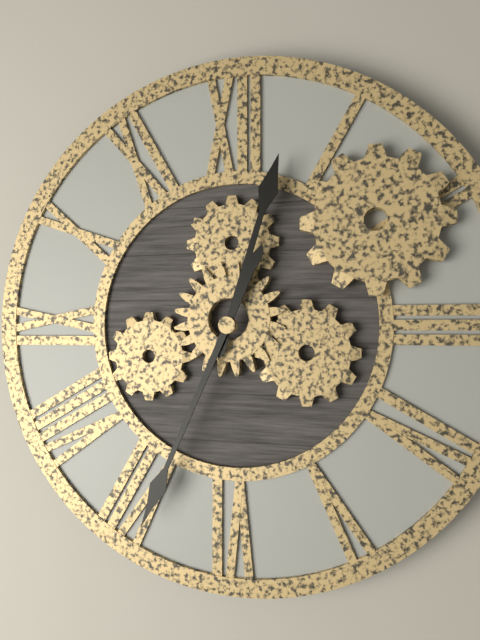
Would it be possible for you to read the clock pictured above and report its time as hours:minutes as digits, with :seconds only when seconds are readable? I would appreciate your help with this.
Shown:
12:34
